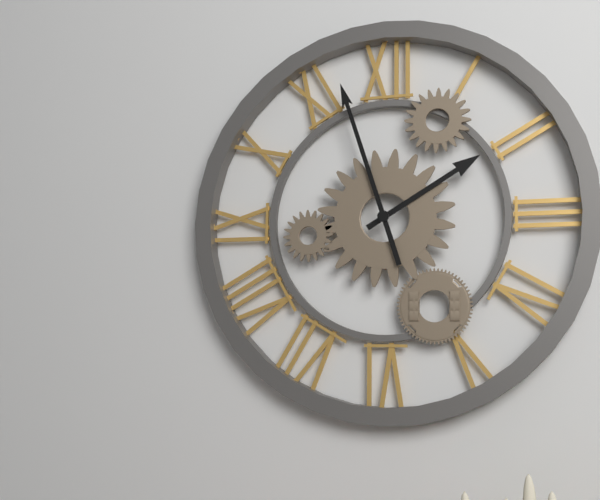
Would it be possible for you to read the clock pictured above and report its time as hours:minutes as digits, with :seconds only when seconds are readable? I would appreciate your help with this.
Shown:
1:57
